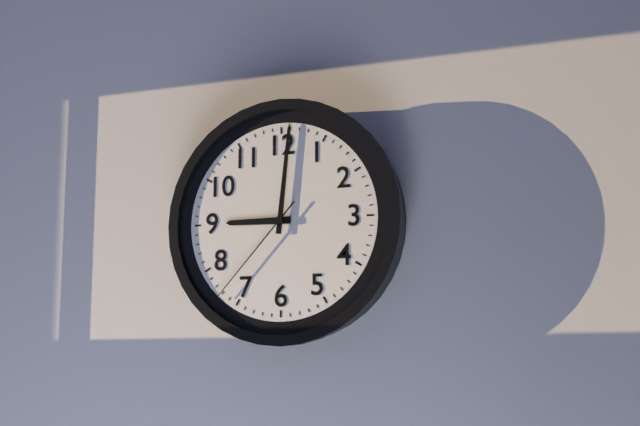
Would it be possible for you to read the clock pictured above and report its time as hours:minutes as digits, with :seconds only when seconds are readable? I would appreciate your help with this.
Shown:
9:01:37
